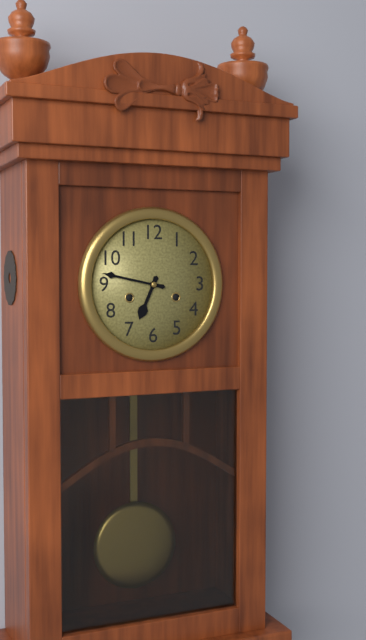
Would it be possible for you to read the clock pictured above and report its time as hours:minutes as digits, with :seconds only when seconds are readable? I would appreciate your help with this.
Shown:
6:47
